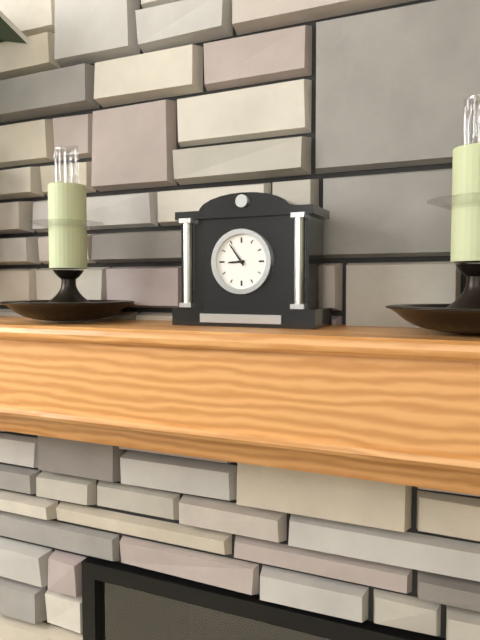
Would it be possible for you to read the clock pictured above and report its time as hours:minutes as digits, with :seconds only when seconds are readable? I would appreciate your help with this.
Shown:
8:54
